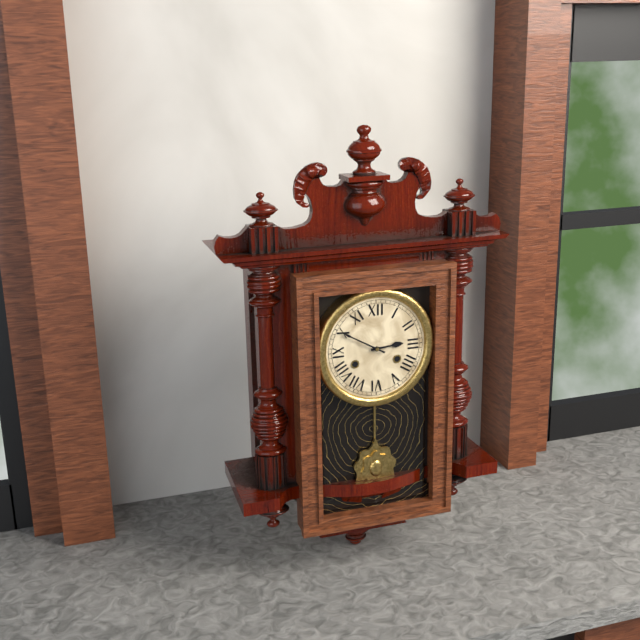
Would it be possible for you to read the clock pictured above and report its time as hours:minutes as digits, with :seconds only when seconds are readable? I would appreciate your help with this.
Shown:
2:50
